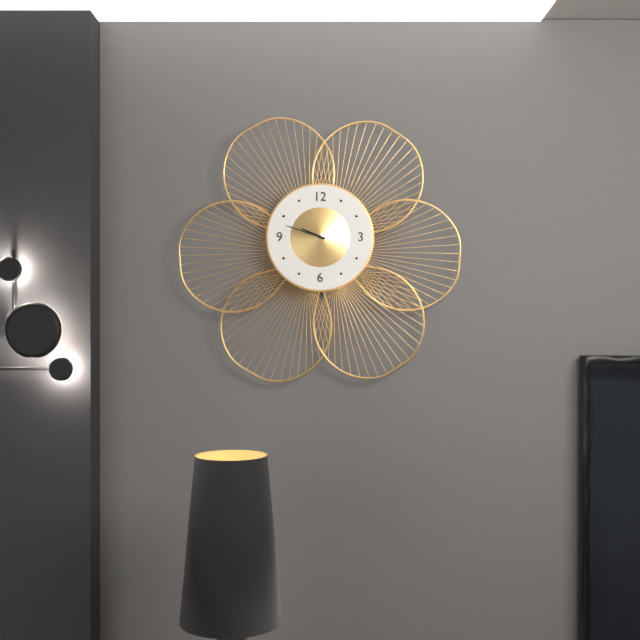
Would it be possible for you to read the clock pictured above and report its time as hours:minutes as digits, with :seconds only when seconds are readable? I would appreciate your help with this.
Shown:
9:48
